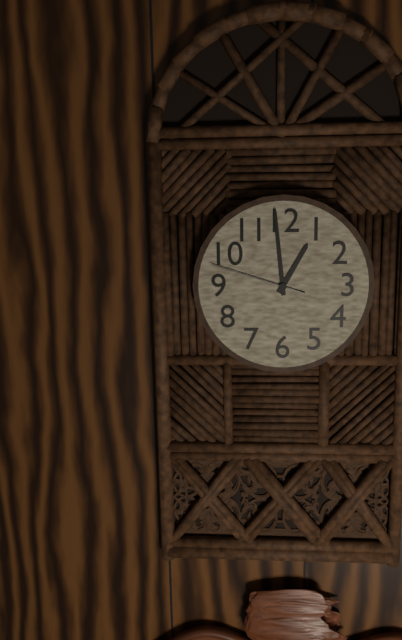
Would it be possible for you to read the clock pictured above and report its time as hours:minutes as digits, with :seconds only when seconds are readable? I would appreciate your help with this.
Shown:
12:59:48
